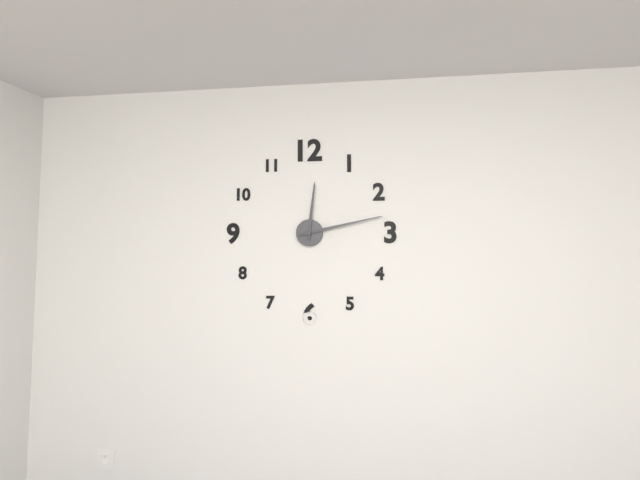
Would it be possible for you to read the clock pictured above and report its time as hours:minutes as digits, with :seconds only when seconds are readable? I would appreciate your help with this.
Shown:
12:13
